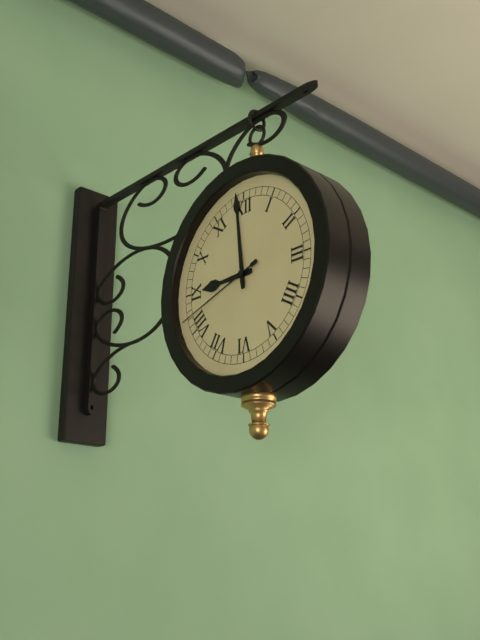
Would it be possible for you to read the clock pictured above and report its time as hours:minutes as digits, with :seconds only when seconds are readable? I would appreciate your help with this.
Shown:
8:59:42
